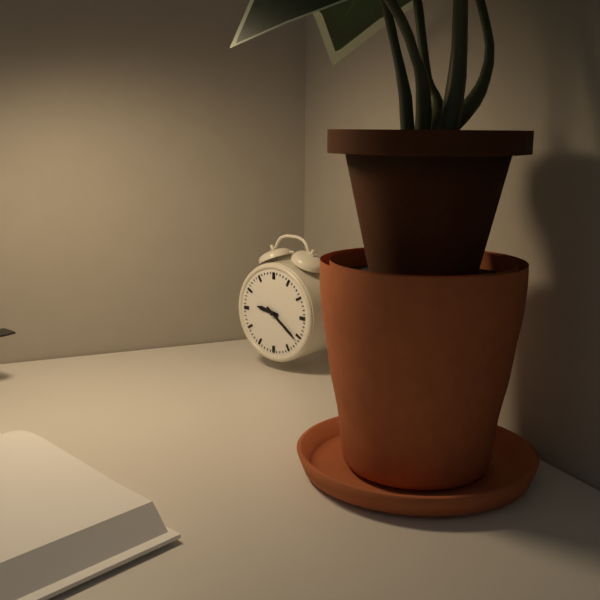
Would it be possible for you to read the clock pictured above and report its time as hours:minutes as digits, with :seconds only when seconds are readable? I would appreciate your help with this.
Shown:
9:21
